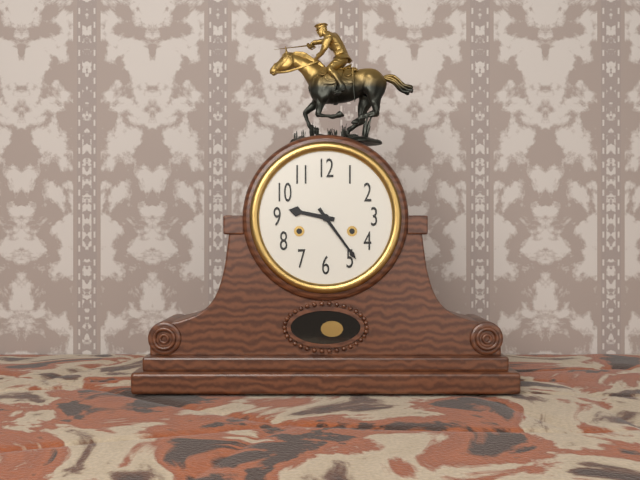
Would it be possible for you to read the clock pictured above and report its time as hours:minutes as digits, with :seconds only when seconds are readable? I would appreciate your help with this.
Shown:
9:24
